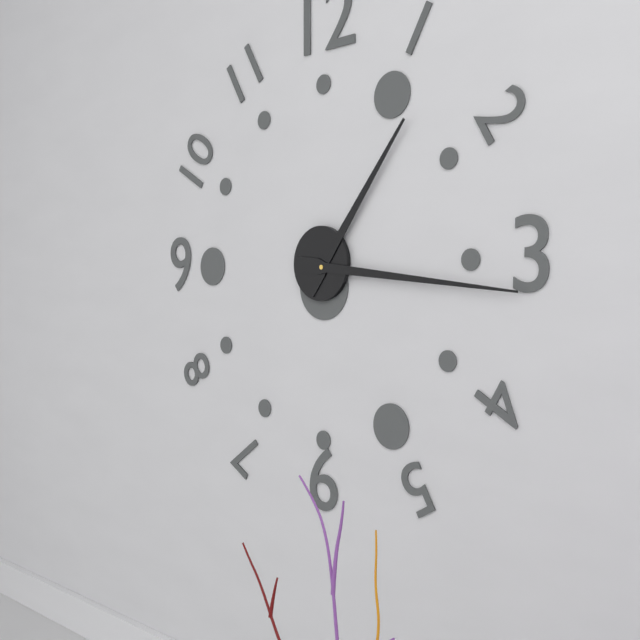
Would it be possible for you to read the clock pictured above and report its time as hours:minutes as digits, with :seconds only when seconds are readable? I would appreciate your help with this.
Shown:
1:16
